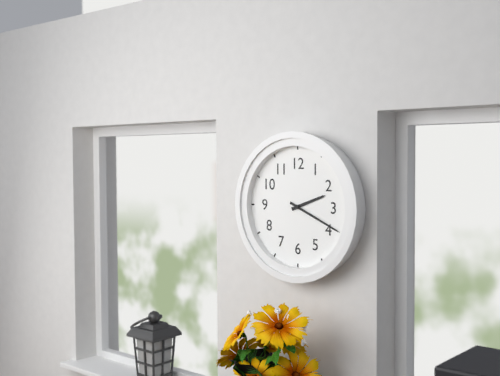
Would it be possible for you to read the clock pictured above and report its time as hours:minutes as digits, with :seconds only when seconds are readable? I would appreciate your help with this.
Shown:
2:19
